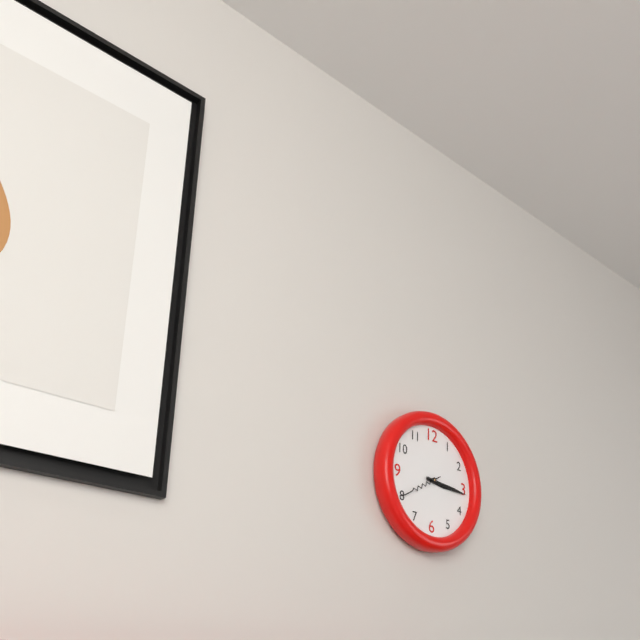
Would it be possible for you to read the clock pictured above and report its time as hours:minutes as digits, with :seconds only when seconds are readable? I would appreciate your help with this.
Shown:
3:16
